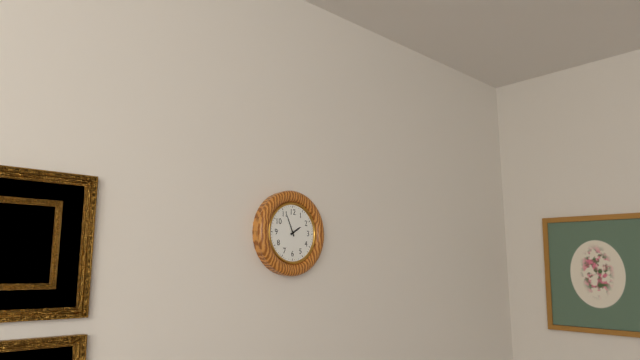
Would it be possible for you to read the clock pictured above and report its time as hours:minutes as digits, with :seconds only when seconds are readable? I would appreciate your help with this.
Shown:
1:56
